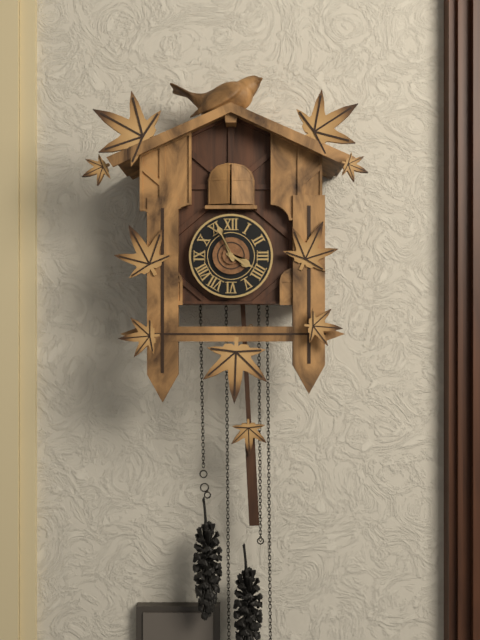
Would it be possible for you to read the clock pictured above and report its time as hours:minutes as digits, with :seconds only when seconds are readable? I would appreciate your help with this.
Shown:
3:56
